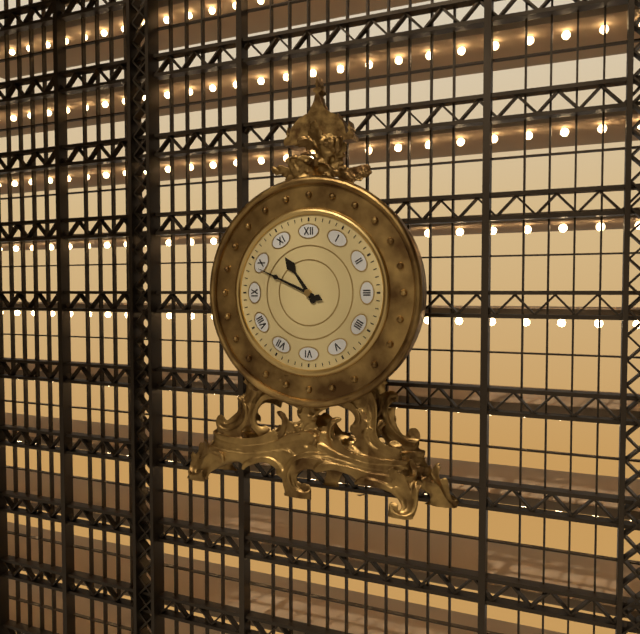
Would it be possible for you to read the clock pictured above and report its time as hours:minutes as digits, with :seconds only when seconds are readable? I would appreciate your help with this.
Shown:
10:49
